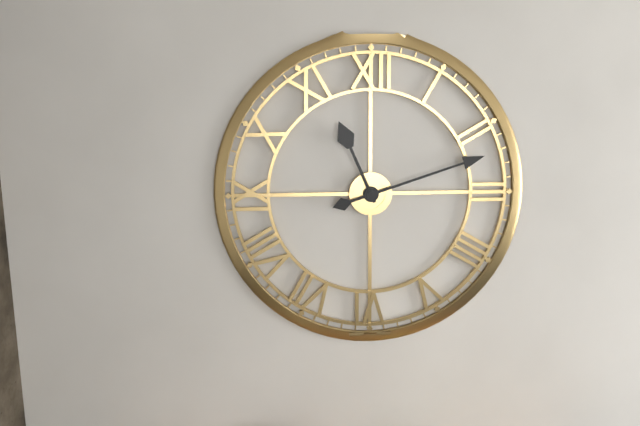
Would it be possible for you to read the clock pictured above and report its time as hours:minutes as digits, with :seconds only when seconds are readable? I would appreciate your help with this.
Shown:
11:12
